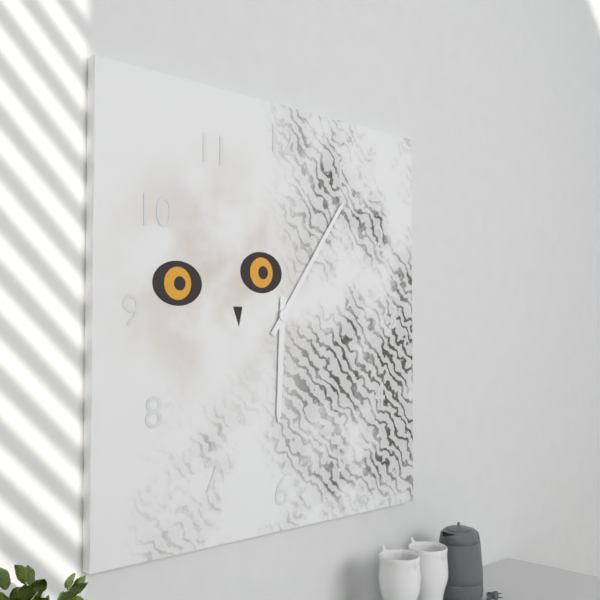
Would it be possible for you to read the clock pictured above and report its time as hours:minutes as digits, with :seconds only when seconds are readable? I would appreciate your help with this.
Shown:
6:06
